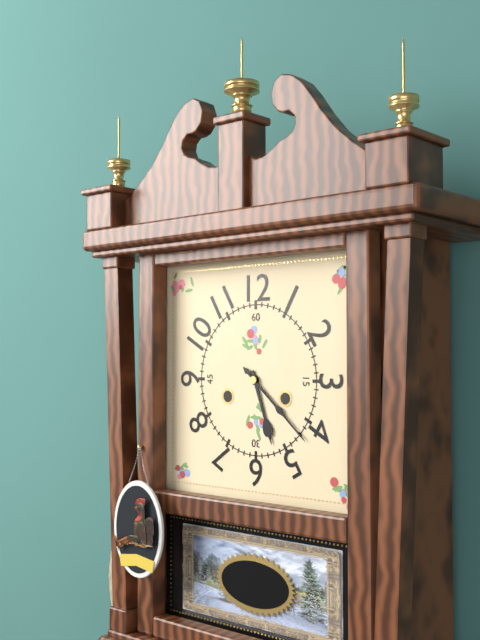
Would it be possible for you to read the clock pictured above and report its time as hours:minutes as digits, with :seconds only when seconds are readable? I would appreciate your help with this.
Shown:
5:22
